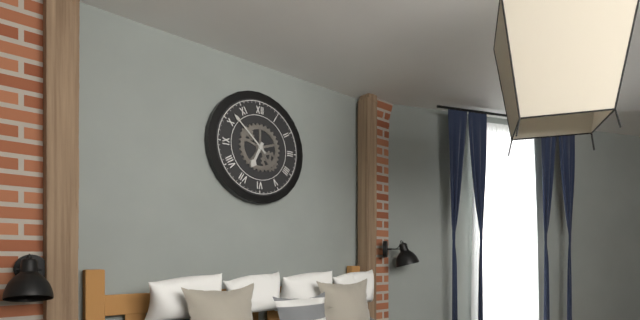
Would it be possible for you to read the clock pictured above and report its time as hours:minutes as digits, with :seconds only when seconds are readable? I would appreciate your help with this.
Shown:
6:52
